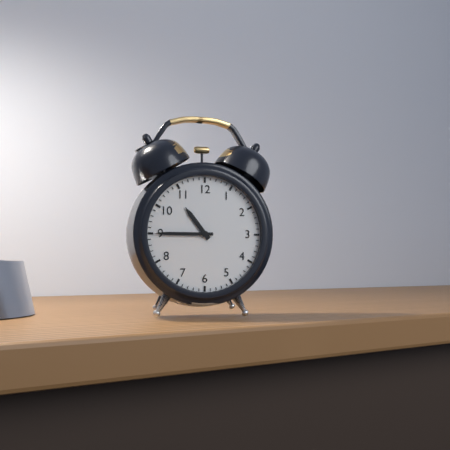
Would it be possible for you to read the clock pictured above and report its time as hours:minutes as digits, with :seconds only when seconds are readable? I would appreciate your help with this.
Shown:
10:45
